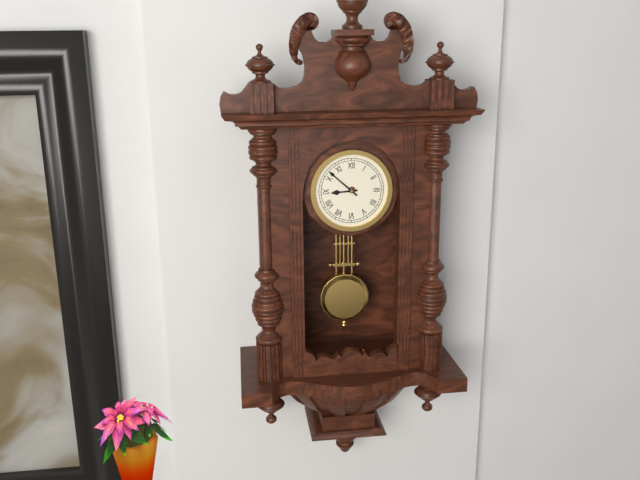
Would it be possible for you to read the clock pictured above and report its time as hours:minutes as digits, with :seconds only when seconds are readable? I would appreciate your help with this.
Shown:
8:52
